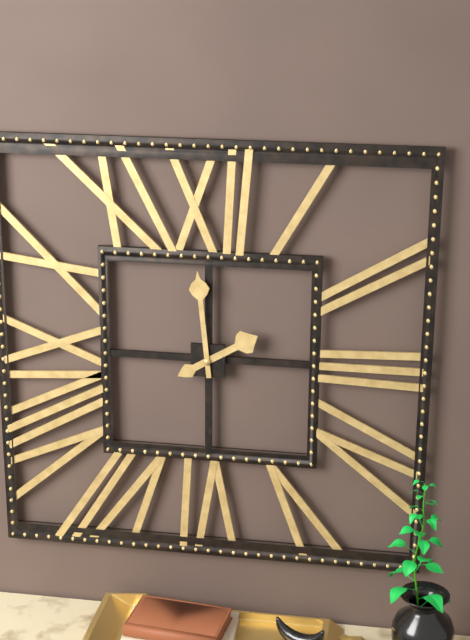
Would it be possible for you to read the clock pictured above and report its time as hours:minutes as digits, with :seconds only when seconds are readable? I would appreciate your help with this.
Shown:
1:59
